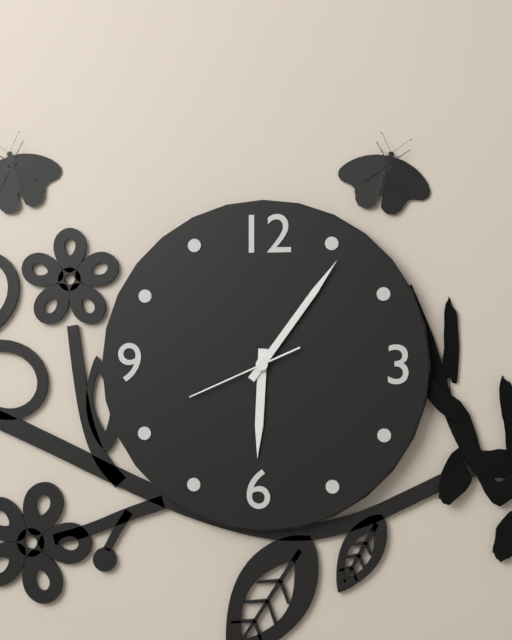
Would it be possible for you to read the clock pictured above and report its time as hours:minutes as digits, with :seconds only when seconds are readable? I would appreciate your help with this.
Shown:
6:06:41
